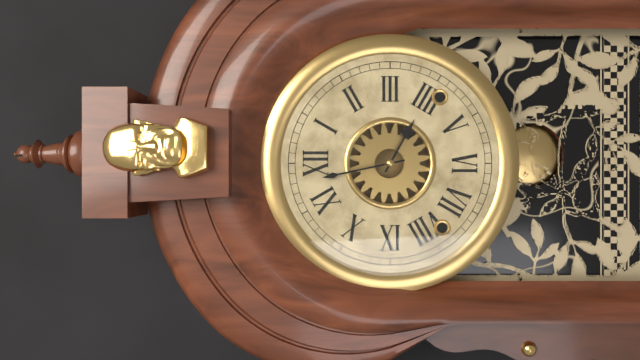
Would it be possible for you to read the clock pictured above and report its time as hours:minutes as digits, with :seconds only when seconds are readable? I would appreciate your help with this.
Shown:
3:58
